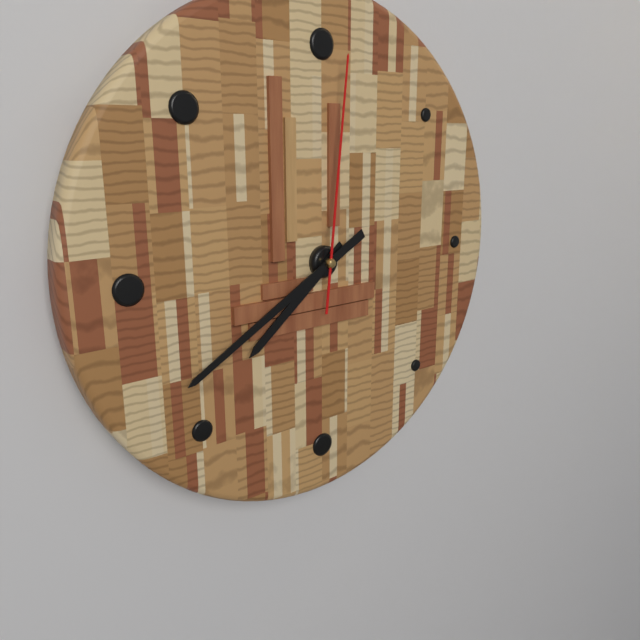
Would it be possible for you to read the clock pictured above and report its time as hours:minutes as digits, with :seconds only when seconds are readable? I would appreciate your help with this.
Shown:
7:40:01
